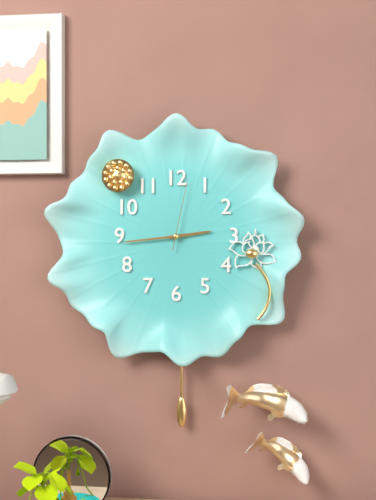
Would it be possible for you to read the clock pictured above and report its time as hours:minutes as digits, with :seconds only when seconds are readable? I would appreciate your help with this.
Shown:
2:44:02
